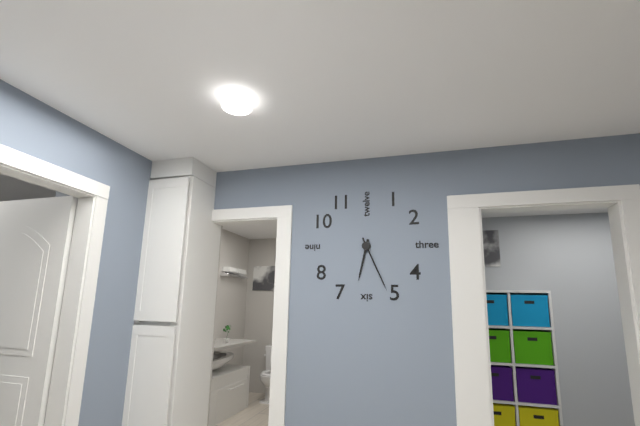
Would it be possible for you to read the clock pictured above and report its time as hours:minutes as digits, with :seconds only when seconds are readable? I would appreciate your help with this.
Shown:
6:26
